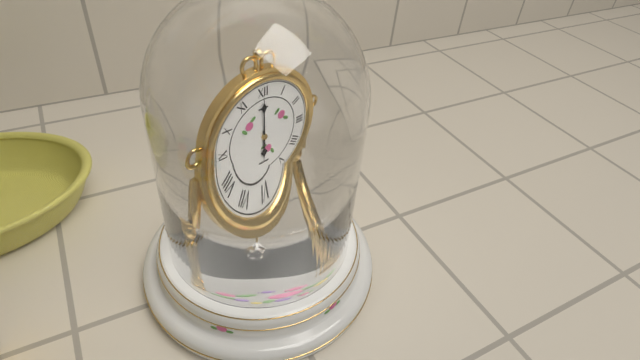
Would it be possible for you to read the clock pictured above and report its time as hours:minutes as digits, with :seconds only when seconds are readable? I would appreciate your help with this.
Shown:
6:00
